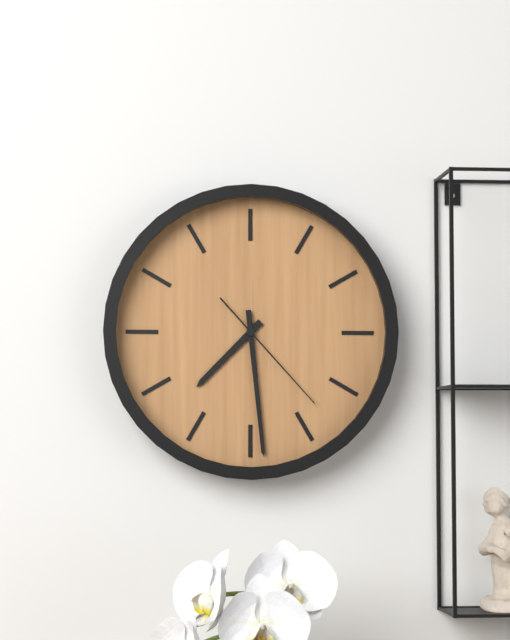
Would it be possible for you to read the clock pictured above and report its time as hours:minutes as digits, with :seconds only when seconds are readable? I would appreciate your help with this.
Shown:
7:29:23
